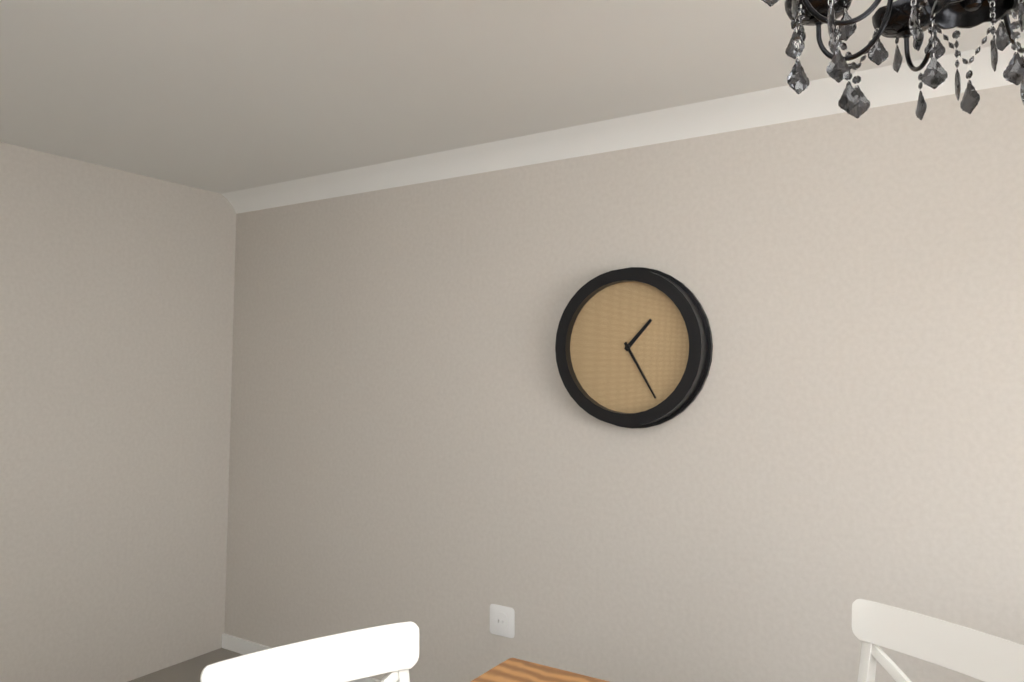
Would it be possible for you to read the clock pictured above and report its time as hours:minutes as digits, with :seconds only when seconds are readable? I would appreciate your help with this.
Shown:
1:25
